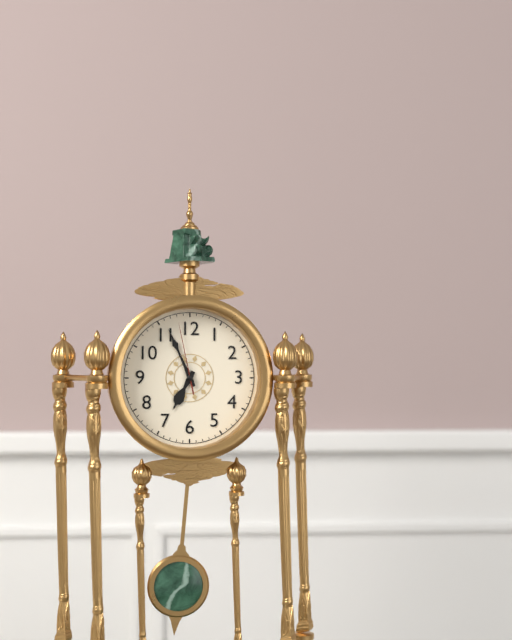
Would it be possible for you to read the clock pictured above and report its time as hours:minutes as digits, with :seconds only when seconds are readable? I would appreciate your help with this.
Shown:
6:56:58
